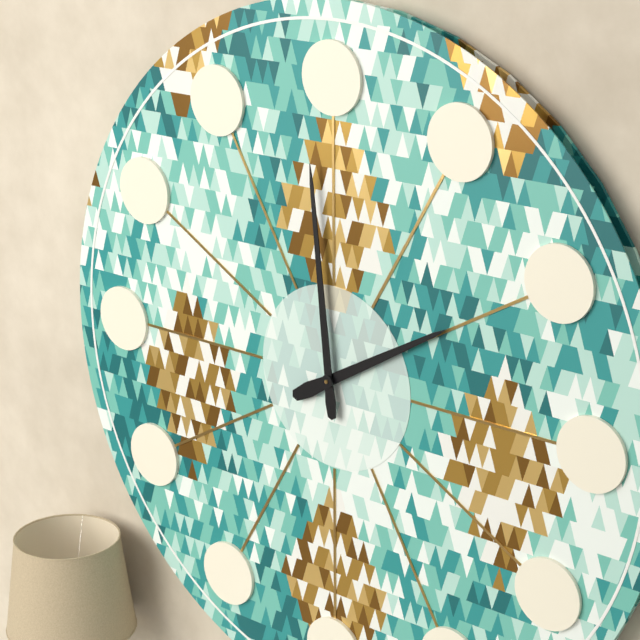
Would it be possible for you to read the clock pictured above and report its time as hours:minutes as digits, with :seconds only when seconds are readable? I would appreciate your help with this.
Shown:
1:59
